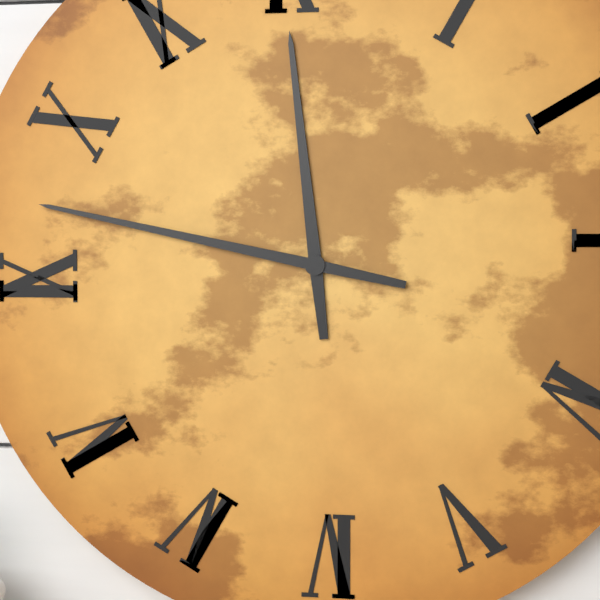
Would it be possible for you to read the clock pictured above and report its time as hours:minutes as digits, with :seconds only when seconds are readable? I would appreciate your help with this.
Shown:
11:47
